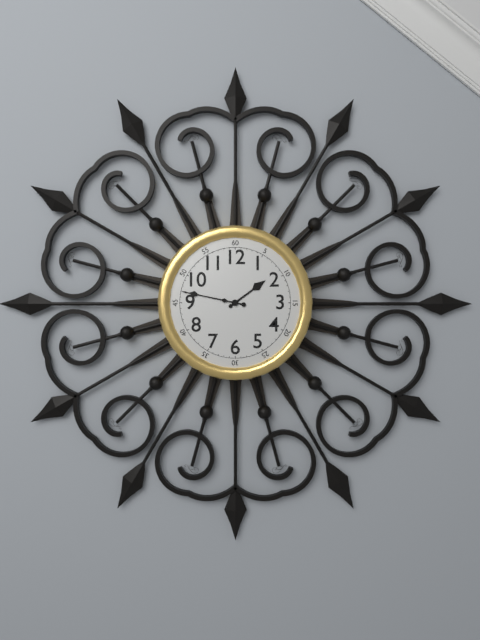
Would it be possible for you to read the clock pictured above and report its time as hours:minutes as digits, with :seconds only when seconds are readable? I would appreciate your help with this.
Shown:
1:47
